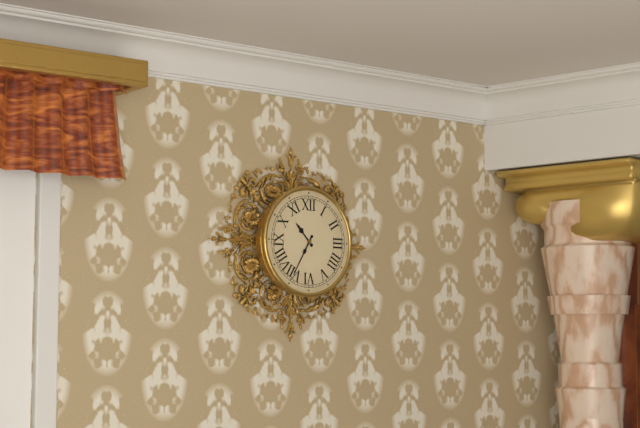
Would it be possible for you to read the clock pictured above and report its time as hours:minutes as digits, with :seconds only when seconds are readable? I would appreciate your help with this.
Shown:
10:35
